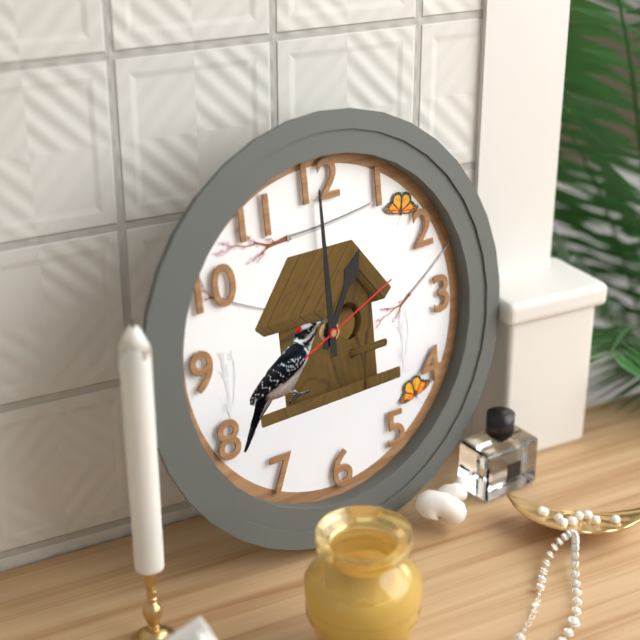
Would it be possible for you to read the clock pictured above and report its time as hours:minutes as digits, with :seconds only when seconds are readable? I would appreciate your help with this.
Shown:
1:00:11
